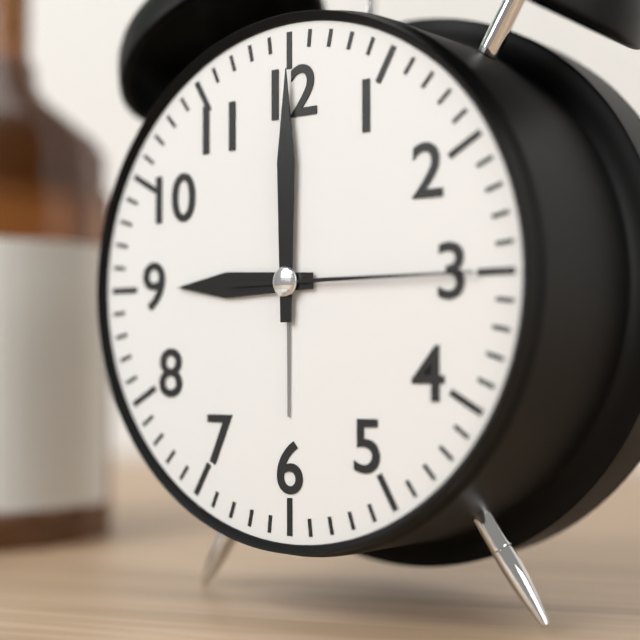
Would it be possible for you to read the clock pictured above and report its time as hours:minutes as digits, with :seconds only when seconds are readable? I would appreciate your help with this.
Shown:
9:00:15
